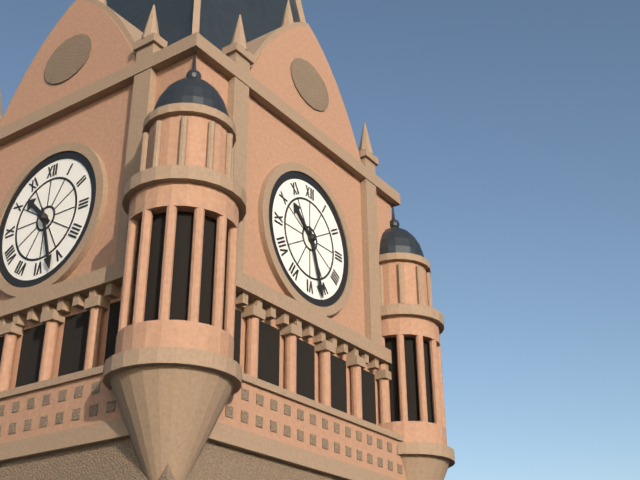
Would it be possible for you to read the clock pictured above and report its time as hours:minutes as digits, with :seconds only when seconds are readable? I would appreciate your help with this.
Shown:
10:27
